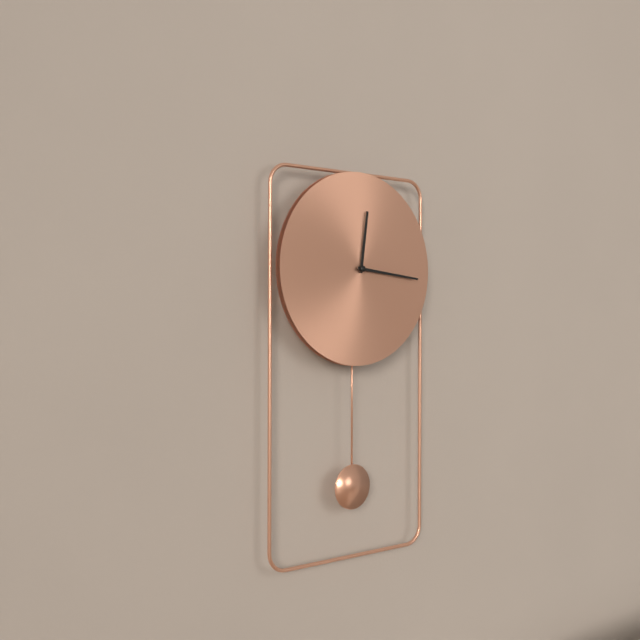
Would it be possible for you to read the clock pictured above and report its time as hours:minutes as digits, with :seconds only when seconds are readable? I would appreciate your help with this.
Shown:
12:16
